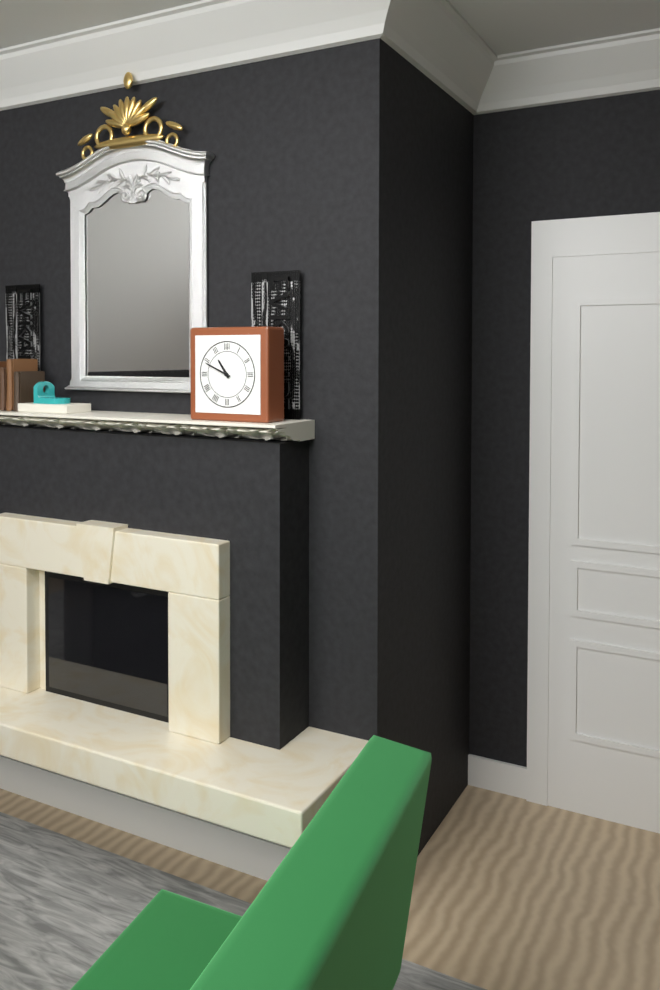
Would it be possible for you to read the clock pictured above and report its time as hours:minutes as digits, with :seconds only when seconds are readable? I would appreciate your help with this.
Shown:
10:49
